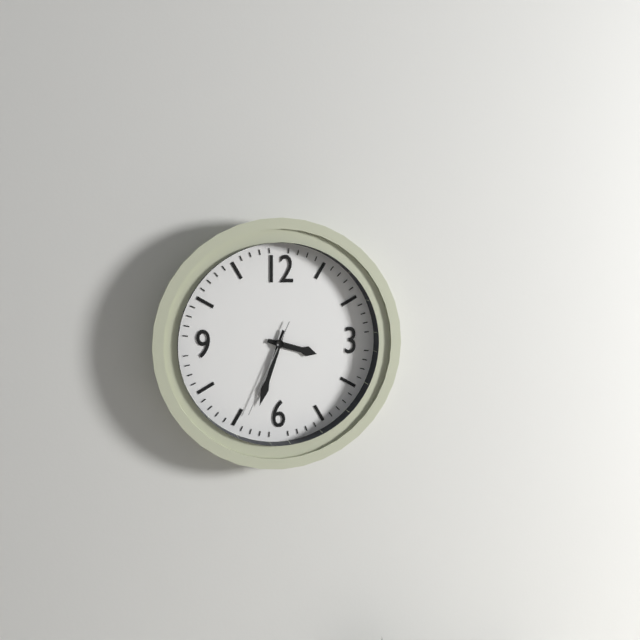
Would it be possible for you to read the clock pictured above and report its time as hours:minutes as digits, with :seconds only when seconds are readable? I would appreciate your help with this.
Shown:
3:33:34
